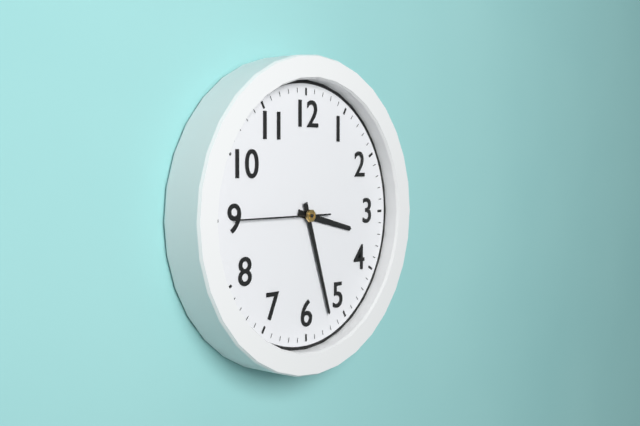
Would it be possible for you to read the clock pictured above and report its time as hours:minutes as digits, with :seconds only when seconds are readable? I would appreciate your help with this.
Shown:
3:27:45
